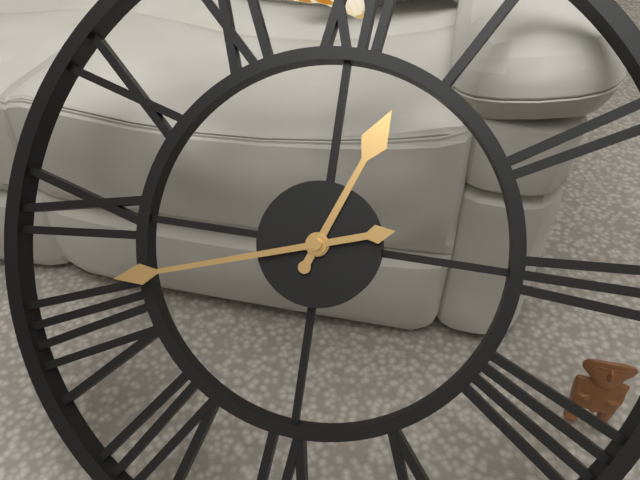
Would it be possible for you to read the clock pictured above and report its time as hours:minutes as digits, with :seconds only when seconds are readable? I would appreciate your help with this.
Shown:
12:42
